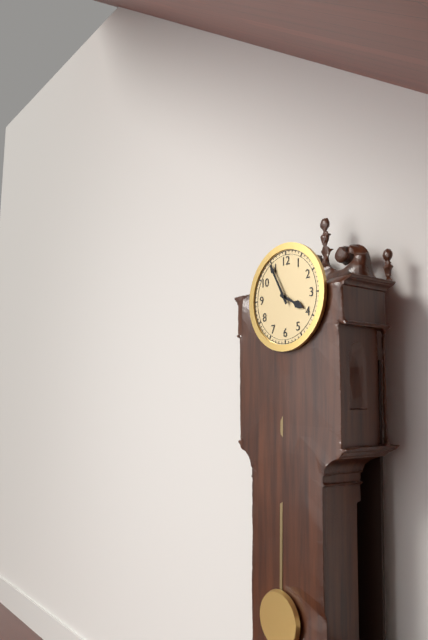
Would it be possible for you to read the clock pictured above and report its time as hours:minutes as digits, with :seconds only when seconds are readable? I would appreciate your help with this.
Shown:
3:55
